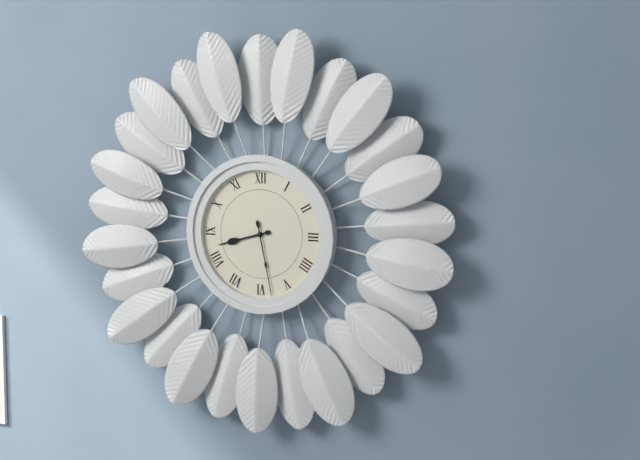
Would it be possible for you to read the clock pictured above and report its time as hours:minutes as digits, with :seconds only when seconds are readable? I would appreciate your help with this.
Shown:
8:28
